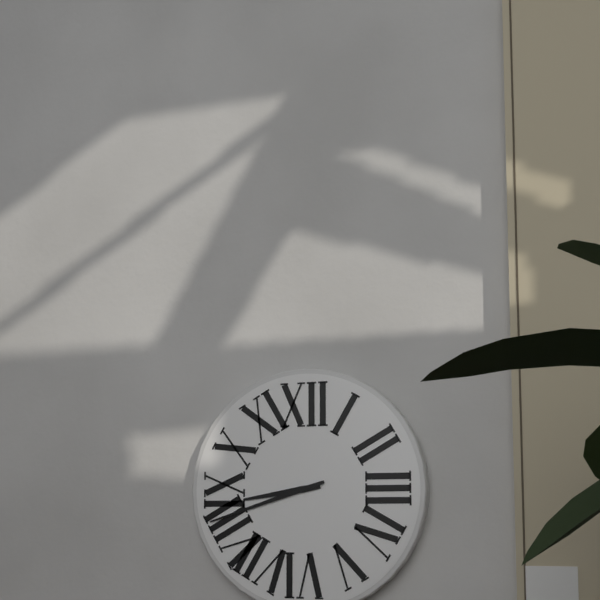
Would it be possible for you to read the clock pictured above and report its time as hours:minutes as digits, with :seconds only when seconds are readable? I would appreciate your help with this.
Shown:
8:42
